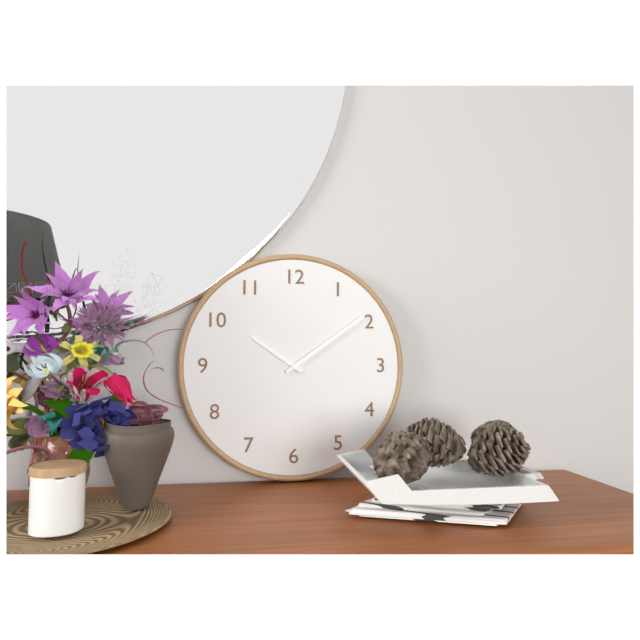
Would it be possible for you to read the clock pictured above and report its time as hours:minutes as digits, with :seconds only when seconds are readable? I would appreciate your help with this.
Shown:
10:09
